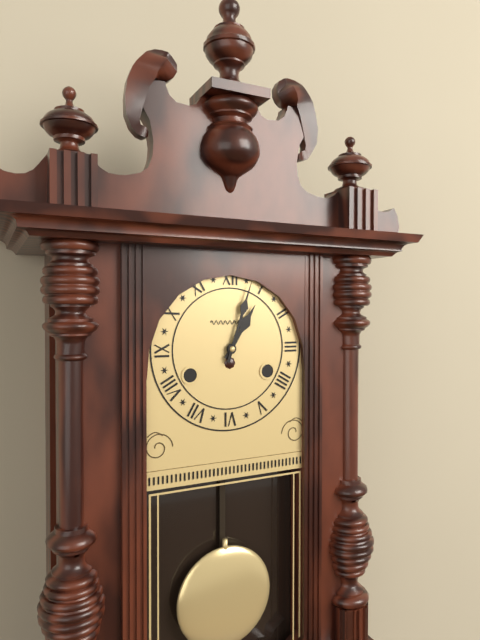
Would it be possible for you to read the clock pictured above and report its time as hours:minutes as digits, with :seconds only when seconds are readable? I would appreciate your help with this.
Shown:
1:03
